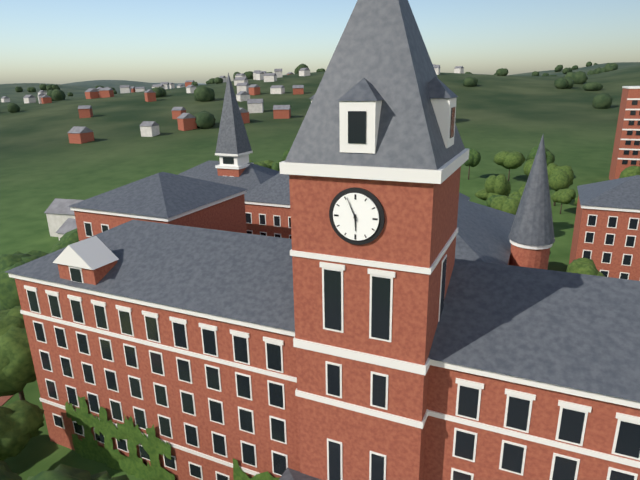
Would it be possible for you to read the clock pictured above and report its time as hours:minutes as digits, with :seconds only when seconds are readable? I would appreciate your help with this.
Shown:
5:56
